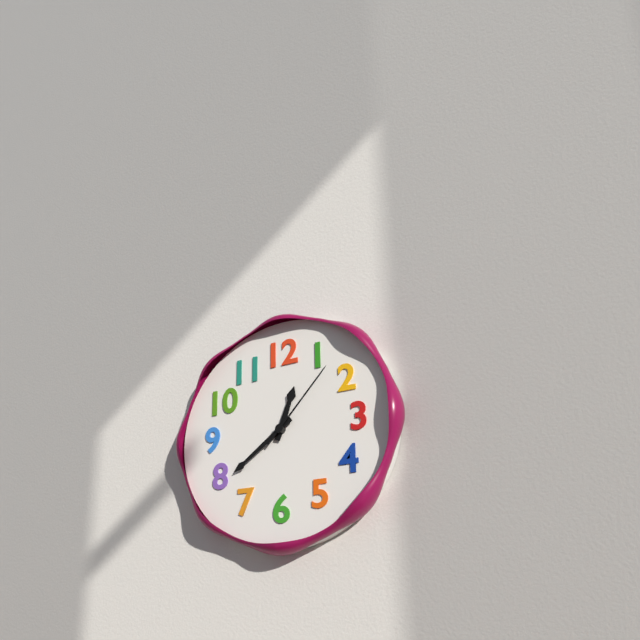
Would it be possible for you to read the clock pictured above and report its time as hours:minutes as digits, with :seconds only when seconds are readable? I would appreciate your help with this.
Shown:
12:39:07
